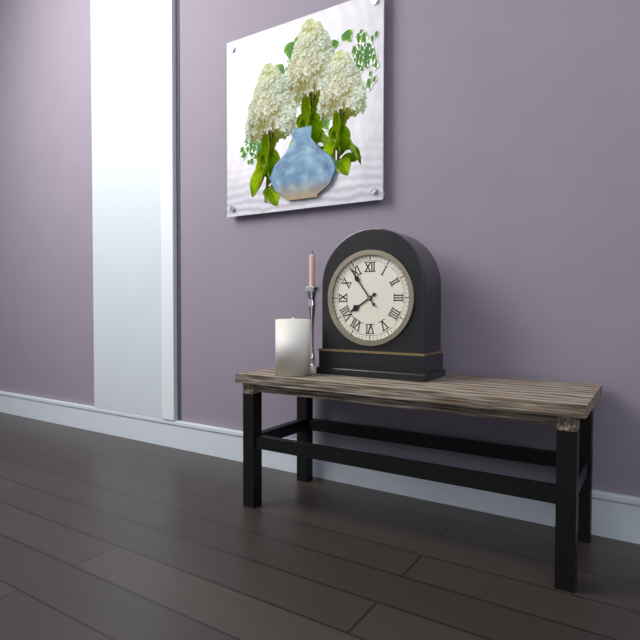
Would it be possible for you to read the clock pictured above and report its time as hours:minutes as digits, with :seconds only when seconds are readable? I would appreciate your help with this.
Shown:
7:54
